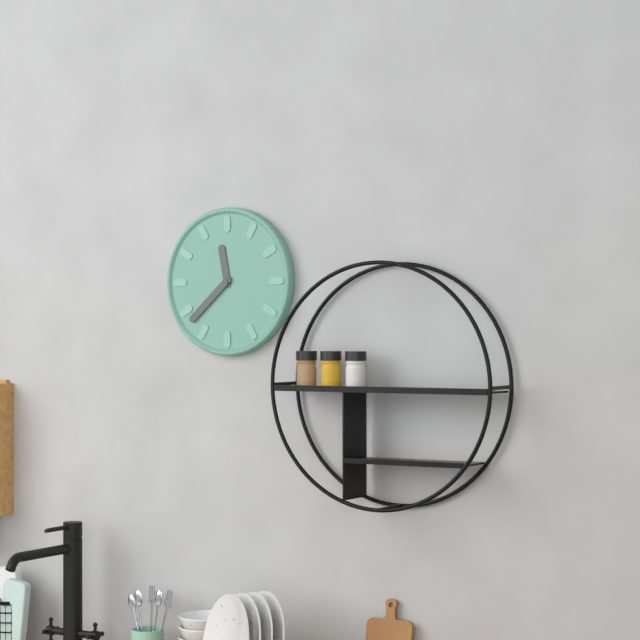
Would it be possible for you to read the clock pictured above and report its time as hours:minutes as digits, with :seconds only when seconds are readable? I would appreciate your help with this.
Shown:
11:38
